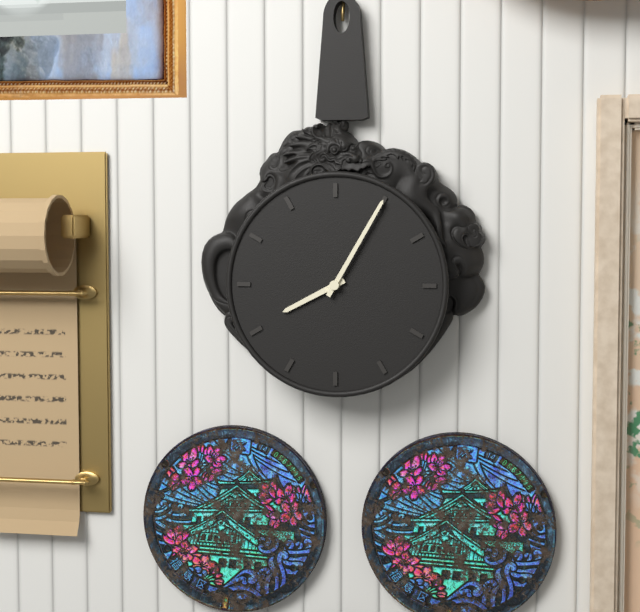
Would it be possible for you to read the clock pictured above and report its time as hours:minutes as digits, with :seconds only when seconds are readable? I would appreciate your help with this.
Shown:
8:05
